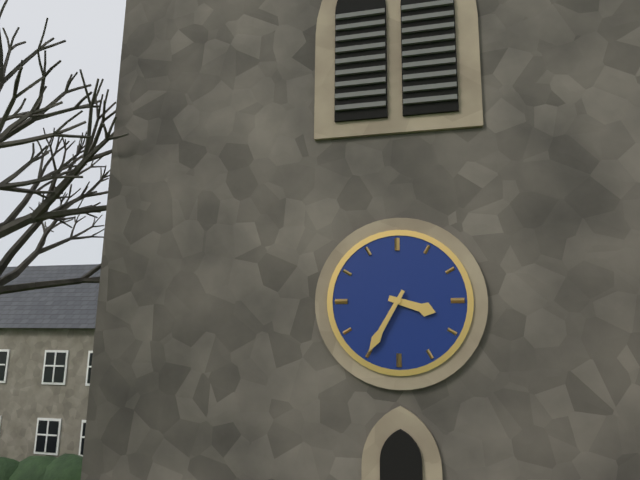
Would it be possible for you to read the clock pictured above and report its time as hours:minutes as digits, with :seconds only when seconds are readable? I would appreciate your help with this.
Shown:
3:35
